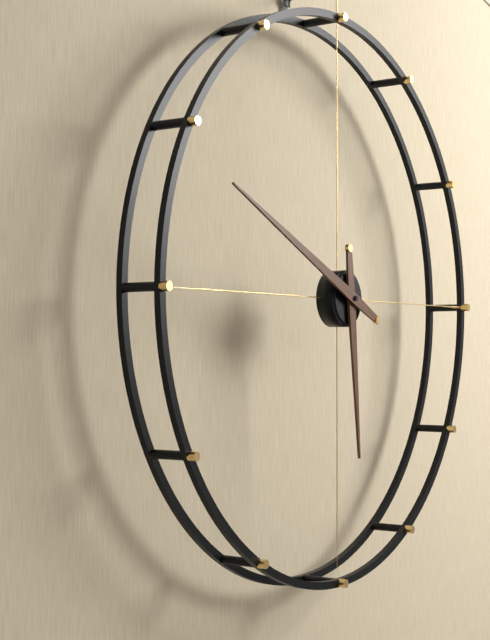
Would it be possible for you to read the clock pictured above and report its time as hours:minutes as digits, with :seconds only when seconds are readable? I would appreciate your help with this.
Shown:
5:49
